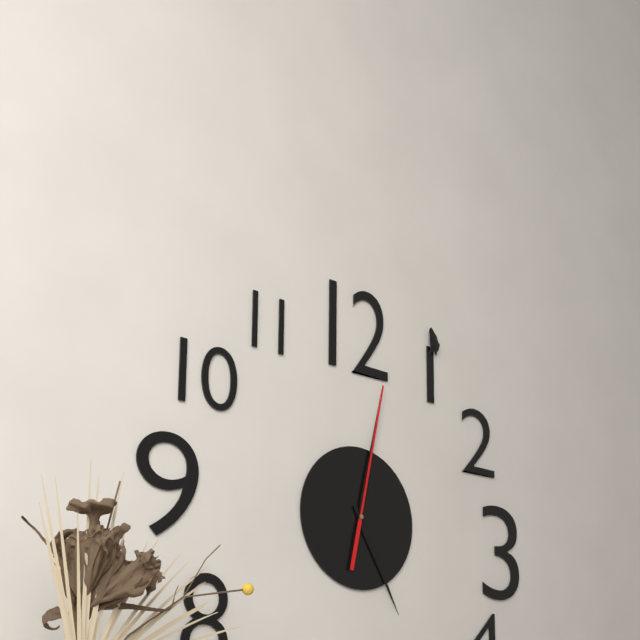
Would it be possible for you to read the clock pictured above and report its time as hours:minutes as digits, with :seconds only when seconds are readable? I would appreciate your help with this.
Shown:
5:02:02
